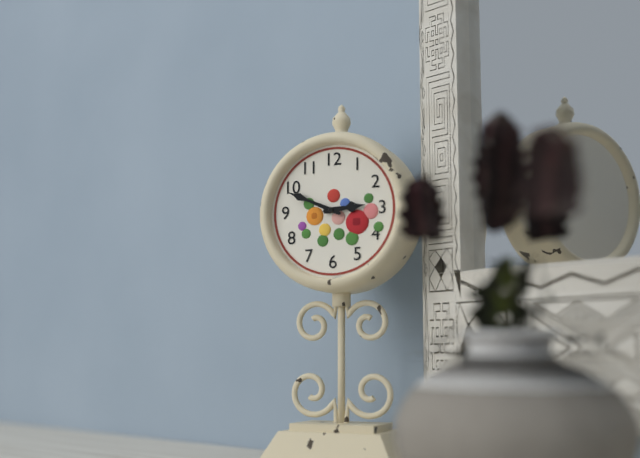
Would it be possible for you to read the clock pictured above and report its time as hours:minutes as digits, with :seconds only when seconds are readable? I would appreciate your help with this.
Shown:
2:49
